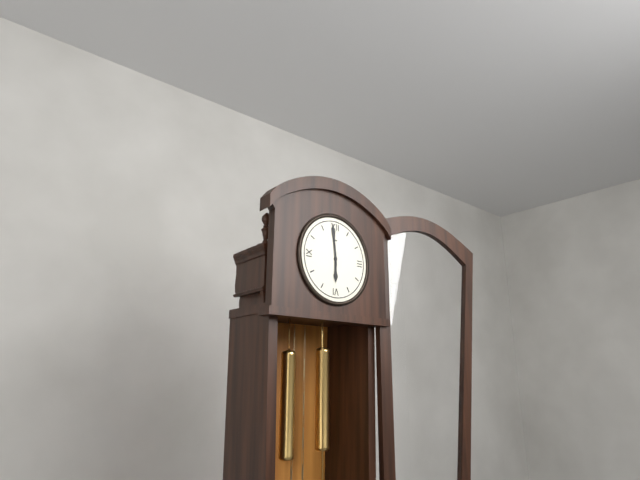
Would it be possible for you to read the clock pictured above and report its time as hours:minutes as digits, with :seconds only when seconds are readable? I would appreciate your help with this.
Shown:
5:59
